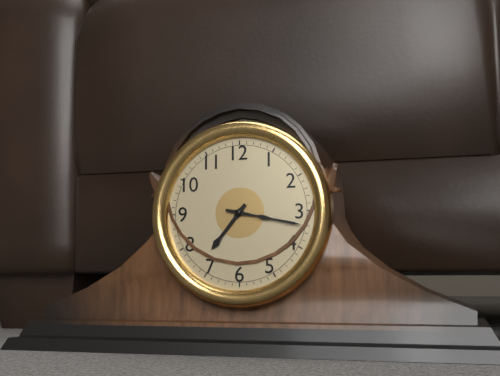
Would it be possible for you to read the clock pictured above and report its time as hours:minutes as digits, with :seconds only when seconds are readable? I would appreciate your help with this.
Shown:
7:17
